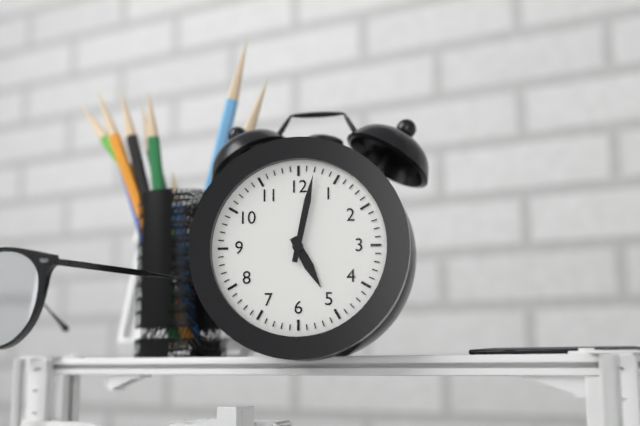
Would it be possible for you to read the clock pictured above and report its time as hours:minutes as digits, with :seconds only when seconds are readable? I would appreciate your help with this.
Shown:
5:02
